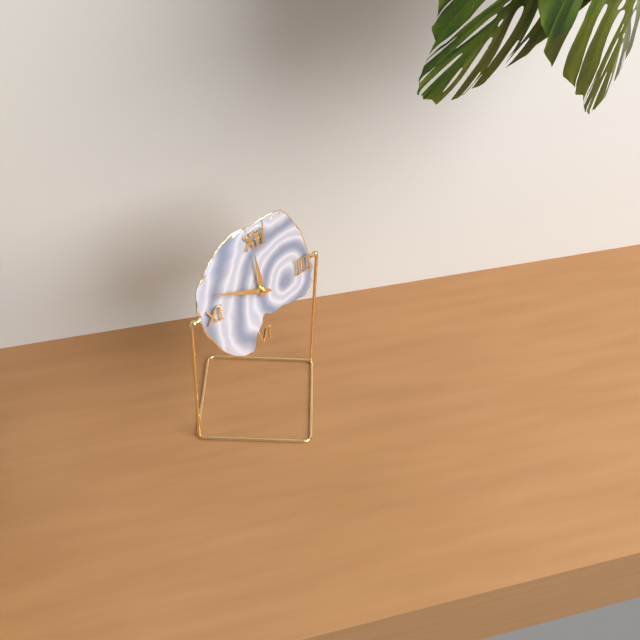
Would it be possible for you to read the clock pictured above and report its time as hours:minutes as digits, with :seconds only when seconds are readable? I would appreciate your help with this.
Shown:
11:49
